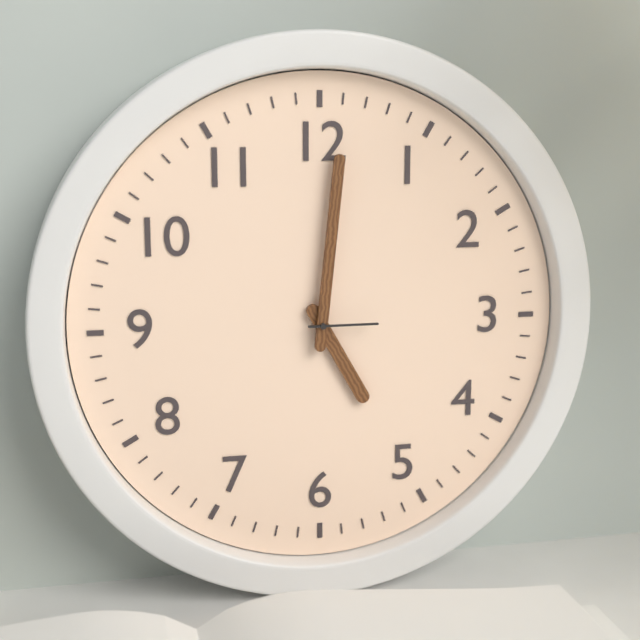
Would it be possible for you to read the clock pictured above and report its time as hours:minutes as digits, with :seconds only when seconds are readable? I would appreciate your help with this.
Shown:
5:01:15
